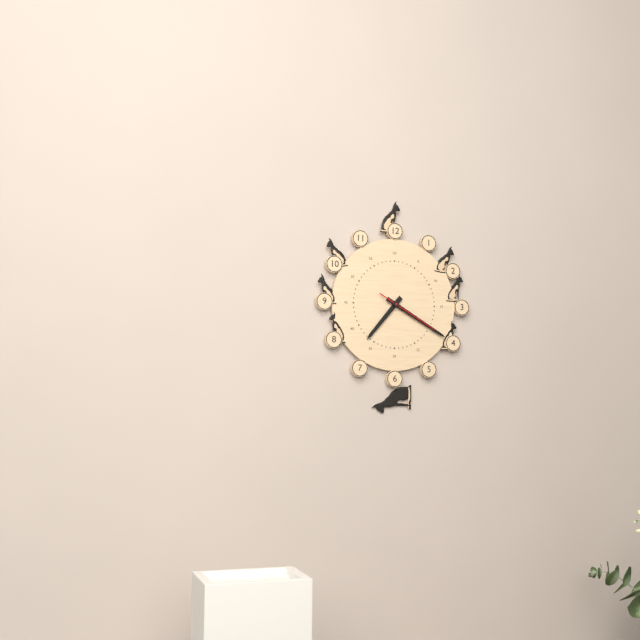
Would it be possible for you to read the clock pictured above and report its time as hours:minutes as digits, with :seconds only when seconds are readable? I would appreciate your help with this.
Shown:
7:20:20
